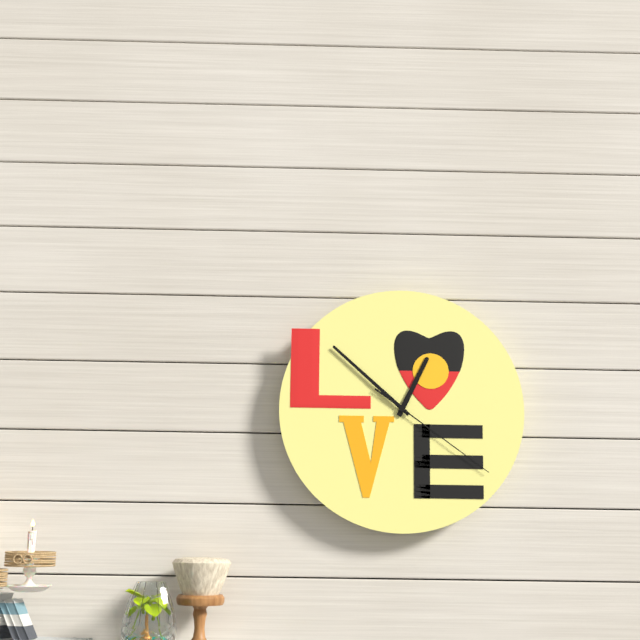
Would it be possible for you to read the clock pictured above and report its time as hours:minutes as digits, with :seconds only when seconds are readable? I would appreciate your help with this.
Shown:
12:52:21
